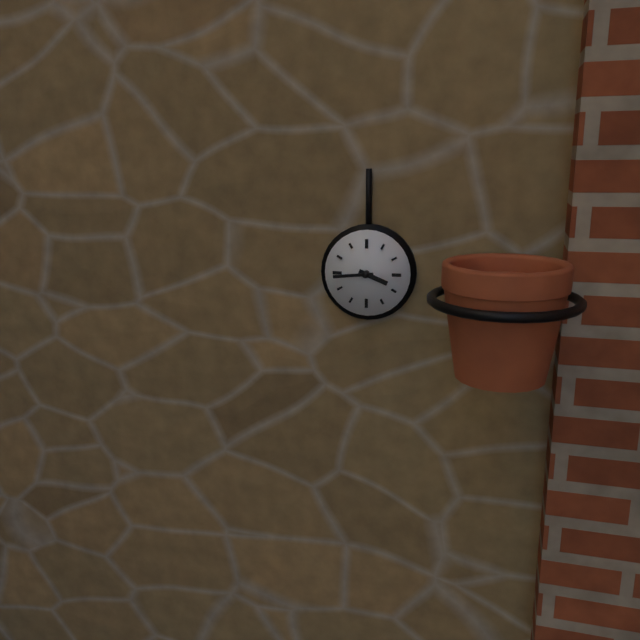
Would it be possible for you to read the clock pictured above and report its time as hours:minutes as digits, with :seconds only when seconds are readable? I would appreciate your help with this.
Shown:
3:44
